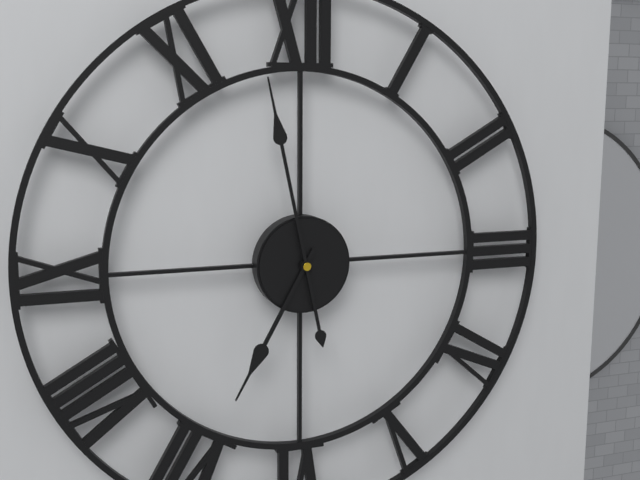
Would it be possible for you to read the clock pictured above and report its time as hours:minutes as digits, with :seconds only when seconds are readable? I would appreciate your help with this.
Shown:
6:58
